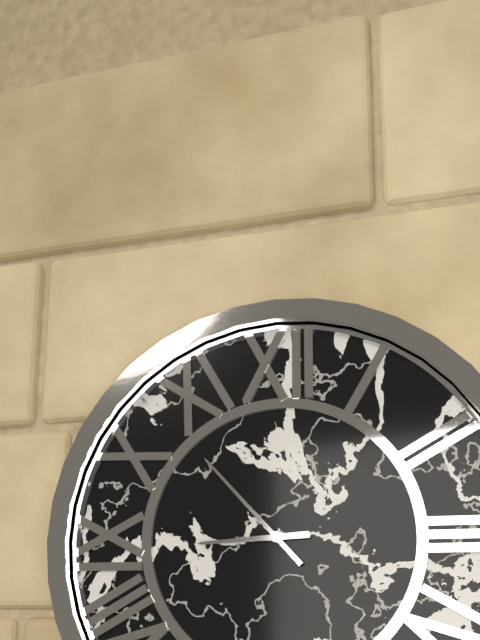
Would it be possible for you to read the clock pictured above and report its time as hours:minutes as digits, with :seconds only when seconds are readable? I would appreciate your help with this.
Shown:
8:53
